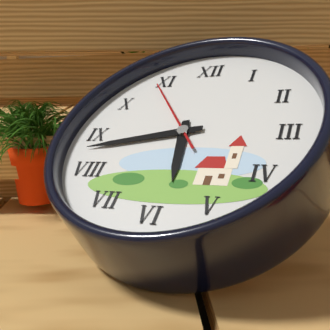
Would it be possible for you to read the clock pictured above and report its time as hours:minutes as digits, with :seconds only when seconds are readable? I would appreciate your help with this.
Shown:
5:43:54
